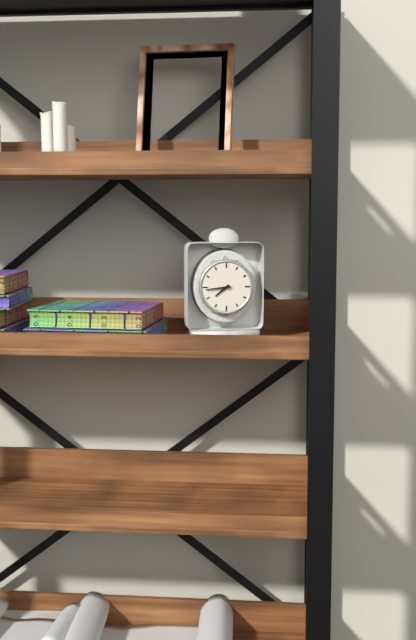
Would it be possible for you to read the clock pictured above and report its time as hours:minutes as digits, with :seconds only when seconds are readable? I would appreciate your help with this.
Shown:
7:44
